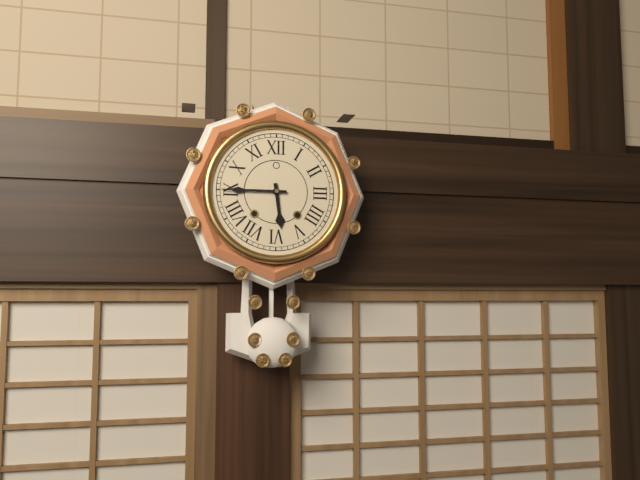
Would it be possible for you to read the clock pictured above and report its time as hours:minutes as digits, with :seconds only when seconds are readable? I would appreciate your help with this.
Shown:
5:45
